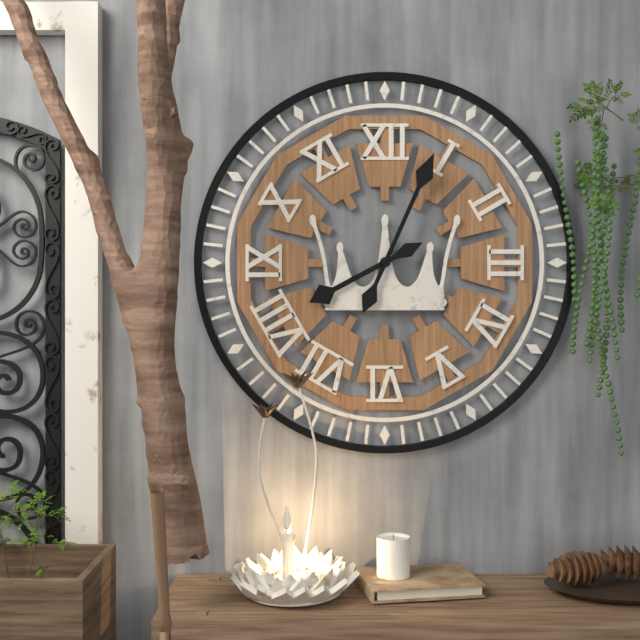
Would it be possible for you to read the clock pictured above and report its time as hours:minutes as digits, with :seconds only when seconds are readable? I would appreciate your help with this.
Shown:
8:04
